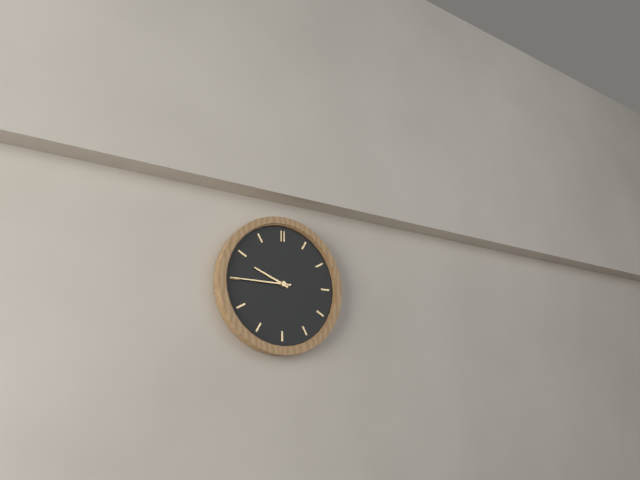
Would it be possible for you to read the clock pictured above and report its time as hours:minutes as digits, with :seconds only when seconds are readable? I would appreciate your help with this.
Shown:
9:45
